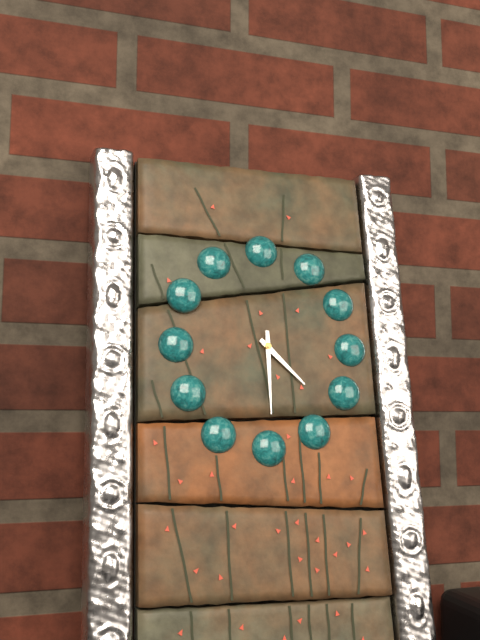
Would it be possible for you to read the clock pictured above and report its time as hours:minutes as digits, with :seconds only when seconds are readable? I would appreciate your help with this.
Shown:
4:30
